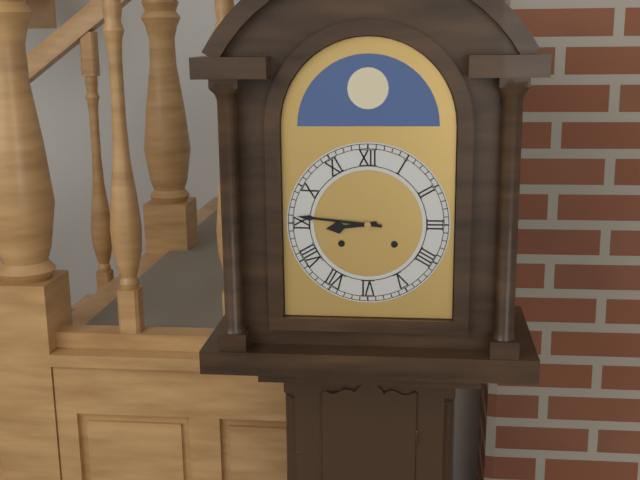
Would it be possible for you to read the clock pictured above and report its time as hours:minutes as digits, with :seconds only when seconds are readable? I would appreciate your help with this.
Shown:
8:46
